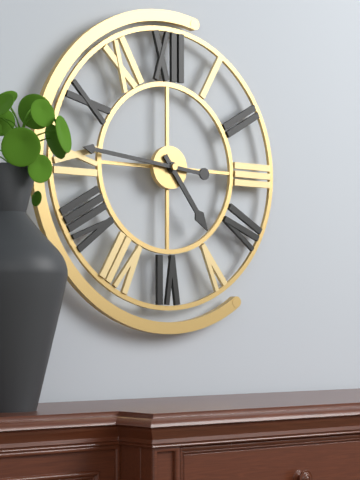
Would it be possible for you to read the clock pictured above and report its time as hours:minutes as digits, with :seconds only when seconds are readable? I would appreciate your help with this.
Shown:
4:46
